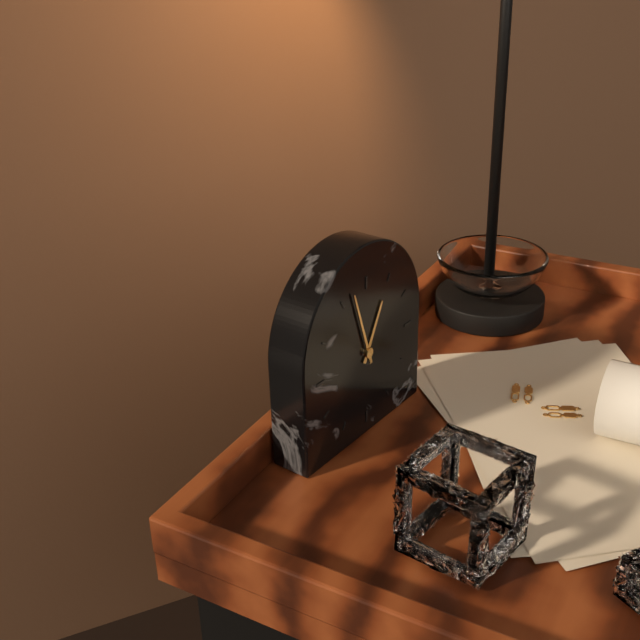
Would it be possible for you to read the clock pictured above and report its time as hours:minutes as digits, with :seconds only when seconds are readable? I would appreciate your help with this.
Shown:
12:57
